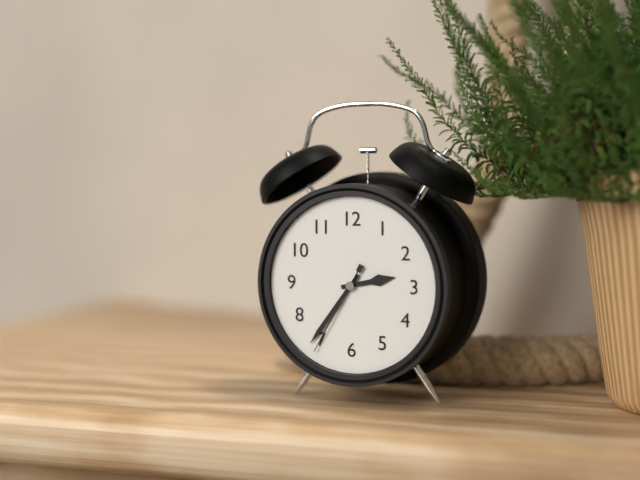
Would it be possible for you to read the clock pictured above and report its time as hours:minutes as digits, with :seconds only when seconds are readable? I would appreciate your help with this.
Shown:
2:36:35
